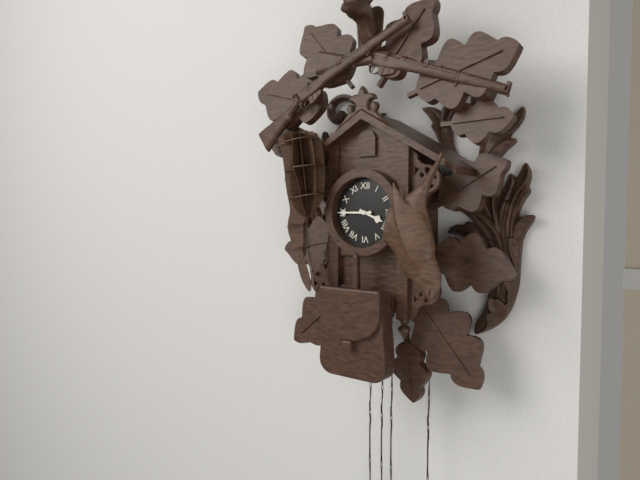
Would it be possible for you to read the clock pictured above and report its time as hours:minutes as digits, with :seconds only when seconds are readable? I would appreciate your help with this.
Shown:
3:45
